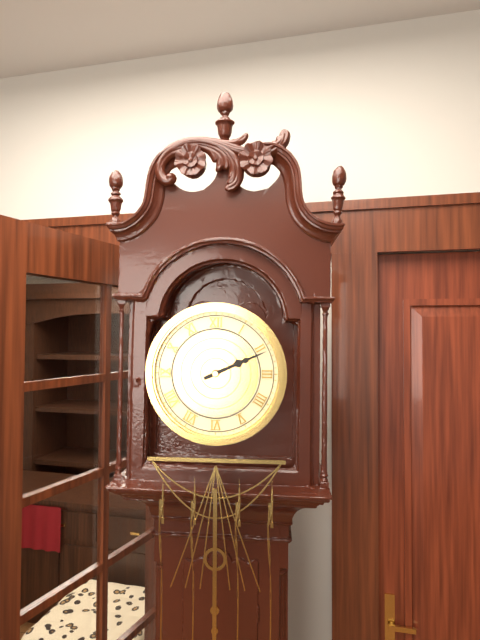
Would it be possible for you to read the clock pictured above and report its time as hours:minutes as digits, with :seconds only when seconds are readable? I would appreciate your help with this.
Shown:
2:11
